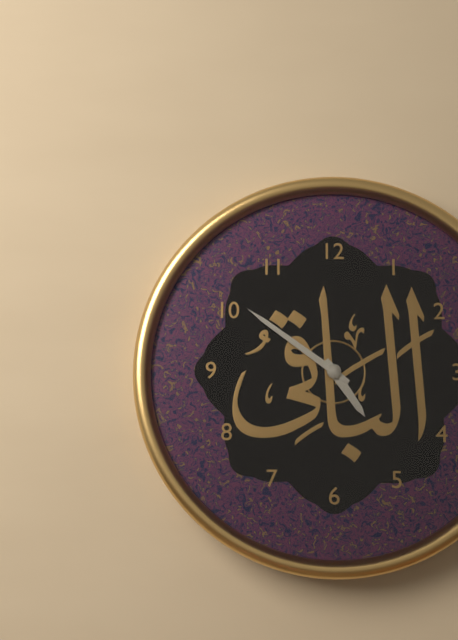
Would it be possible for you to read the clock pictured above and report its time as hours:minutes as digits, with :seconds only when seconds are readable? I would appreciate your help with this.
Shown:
4:51
